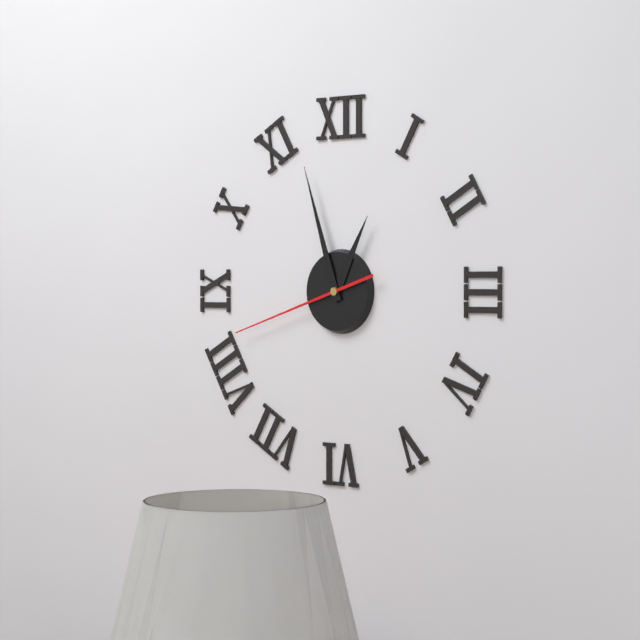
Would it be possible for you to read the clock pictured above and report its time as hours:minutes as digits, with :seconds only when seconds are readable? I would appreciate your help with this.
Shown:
12:57:42
